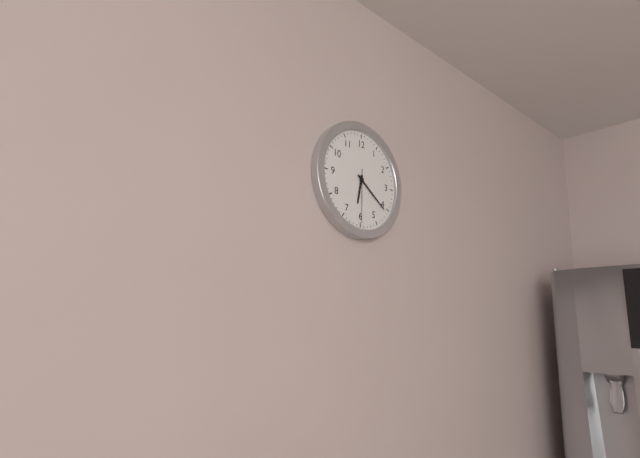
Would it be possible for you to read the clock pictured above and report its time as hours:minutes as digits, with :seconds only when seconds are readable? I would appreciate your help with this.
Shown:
6:21:30
